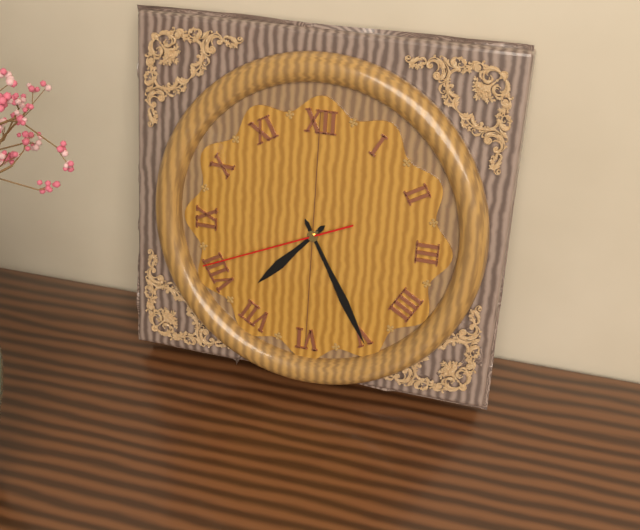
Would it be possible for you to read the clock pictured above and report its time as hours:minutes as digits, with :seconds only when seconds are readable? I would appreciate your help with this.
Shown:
7:25:41
